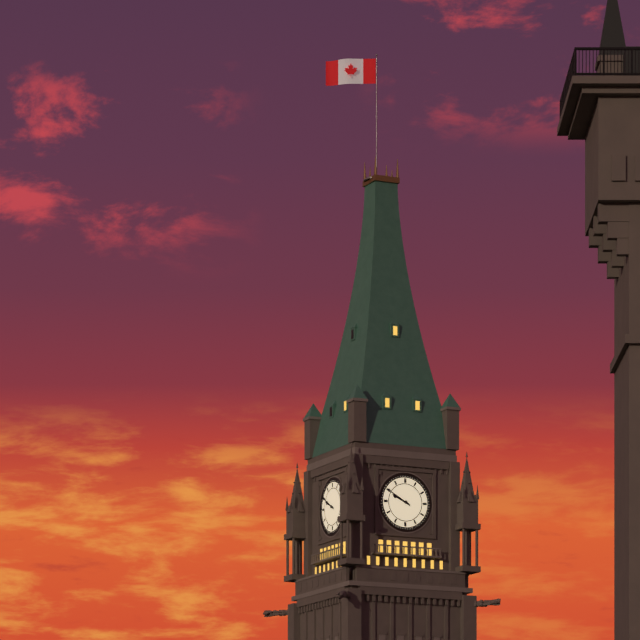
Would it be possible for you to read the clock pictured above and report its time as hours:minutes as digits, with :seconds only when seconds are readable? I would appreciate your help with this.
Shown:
9:50
